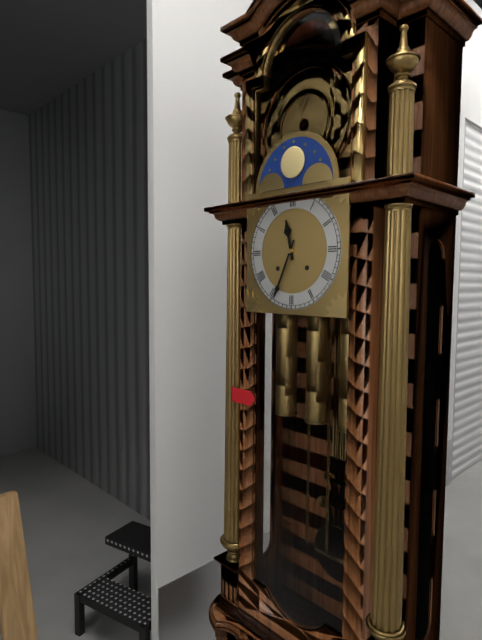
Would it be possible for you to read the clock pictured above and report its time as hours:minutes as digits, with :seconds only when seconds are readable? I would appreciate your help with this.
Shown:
11:34
